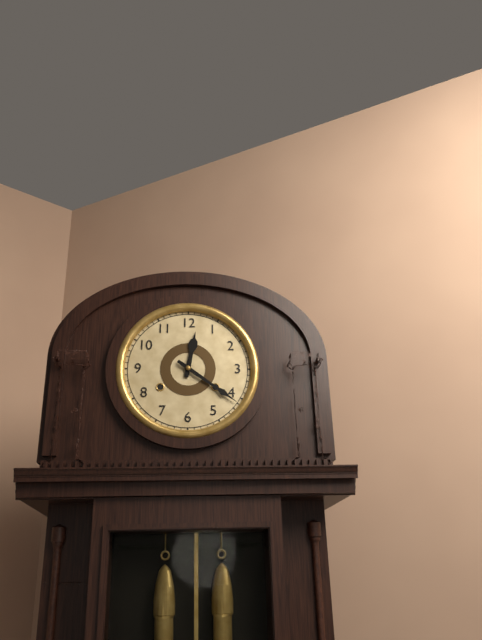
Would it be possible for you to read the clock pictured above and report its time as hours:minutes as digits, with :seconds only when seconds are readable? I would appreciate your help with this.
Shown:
12:21
